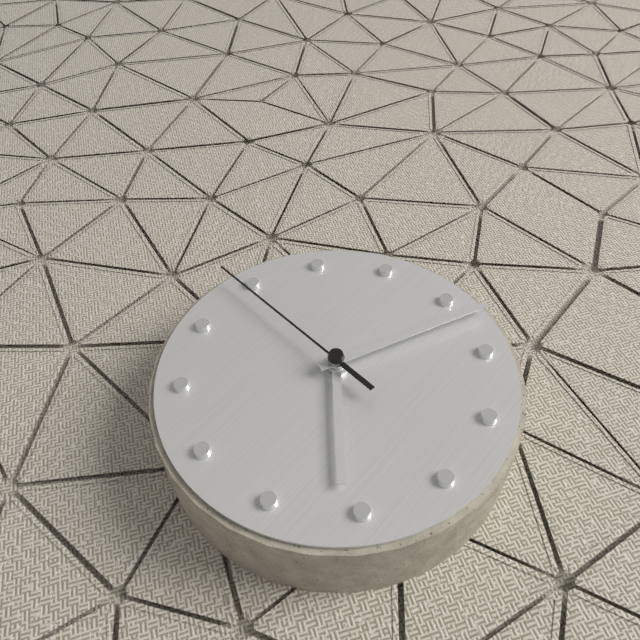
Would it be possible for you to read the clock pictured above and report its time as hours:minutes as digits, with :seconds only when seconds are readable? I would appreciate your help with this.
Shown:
6:12:54
